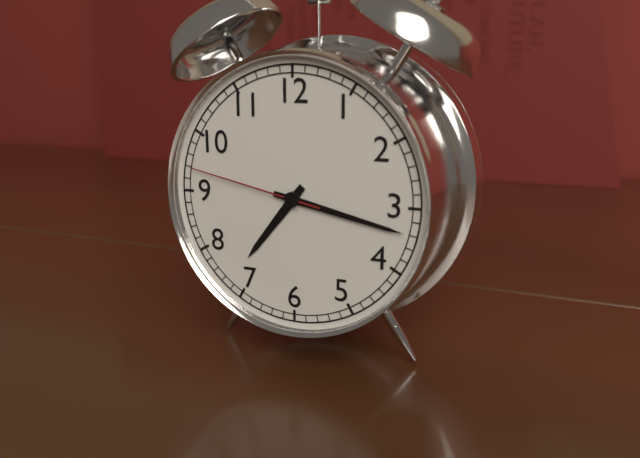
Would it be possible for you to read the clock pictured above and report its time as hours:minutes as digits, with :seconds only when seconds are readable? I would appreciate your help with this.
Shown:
7:17:47
